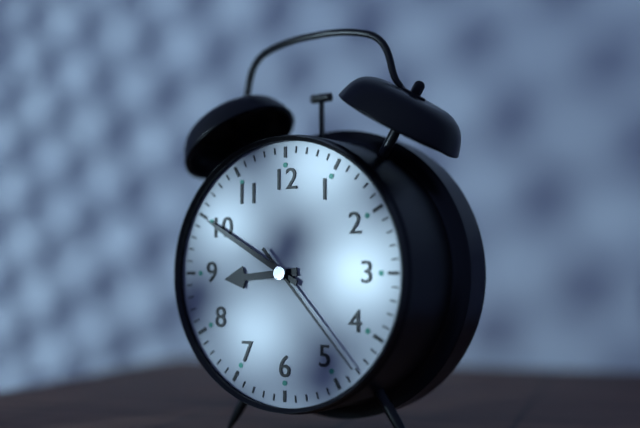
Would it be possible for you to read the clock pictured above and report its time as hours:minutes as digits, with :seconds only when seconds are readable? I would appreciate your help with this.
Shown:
8:50:23
